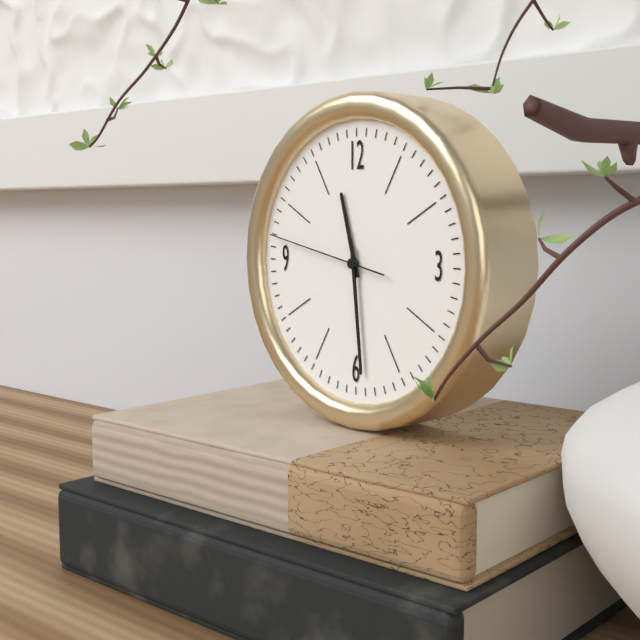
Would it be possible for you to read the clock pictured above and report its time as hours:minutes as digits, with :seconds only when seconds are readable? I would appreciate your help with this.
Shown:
11:29:47
